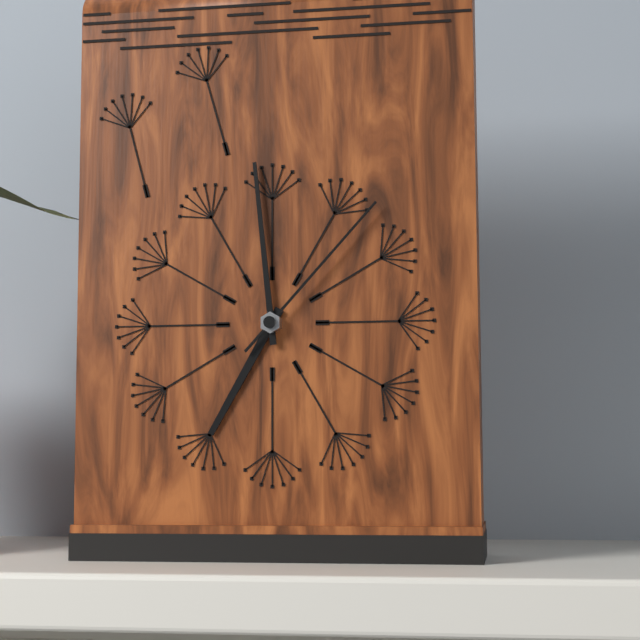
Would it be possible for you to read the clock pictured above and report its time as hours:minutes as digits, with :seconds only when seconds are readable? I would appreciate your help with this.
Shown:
6:59:07
